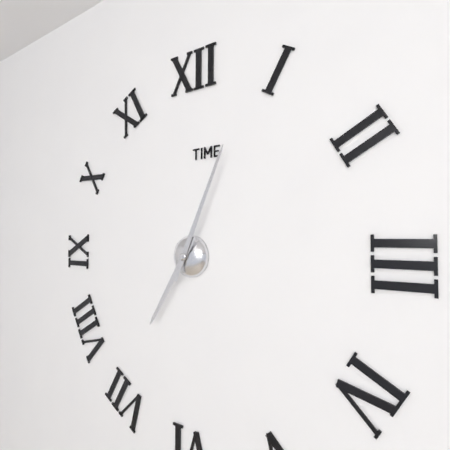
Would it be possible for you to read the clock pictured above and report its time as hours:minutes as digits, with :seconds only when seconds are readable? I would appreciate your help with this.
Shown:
7:04
